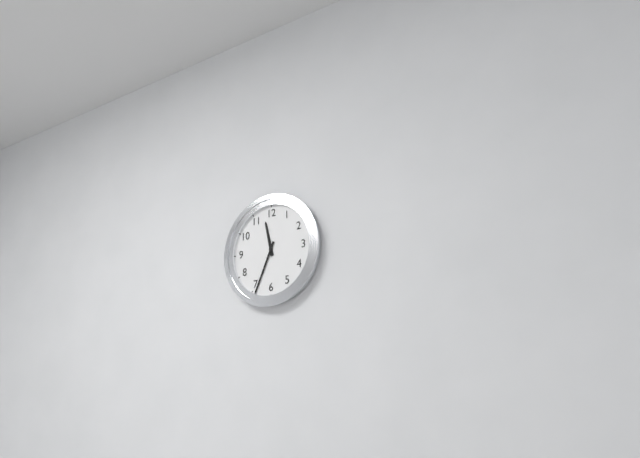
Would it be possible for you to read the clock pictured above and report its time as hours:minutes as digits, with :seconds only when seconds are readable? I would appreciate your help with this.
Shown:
11:34
